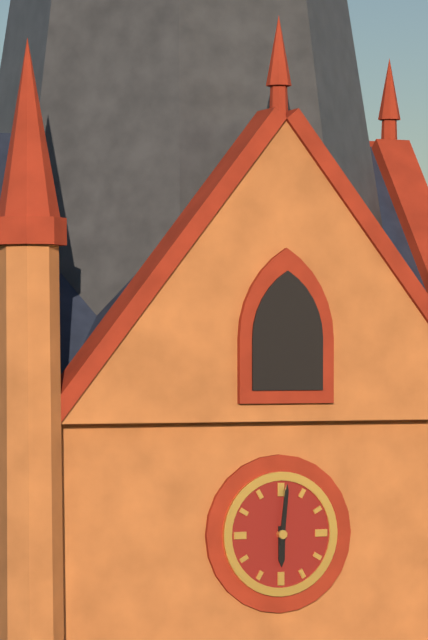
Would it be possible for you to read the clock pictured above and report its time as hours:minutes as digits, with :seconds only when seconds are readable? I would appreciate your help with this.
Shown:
6:01
